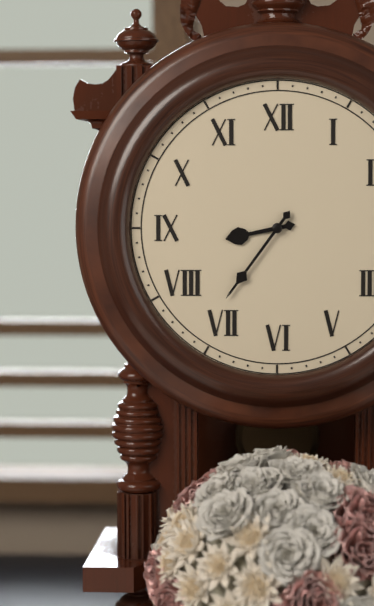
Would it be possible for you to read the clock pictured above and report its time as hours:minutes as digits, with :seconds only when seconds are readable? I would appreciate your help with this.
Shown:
8:36
